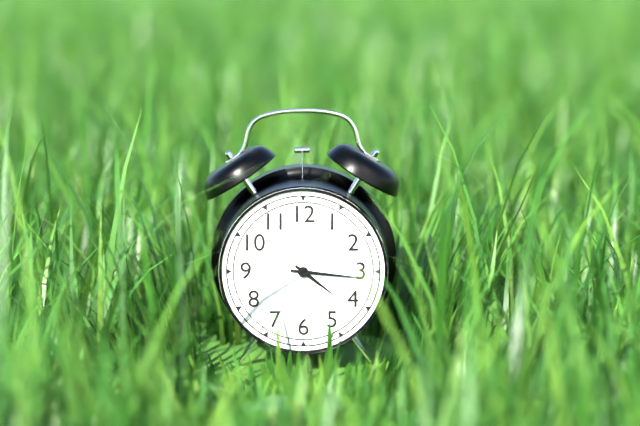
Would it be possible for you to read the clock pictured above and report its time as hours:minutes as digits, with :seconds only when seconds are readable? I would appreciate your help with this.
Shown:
4:16
